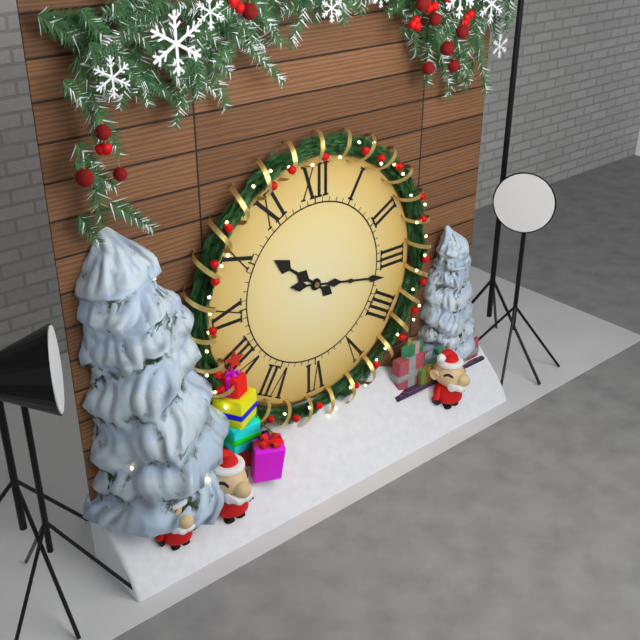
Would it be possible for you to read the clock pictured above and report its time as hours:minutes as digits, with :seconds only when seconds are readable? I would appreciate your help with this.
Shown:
10:17
